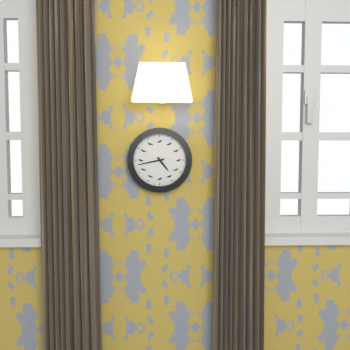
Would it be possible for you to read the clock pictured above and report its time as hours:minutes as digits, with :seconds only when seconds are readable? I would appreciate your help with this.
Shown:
4:43
